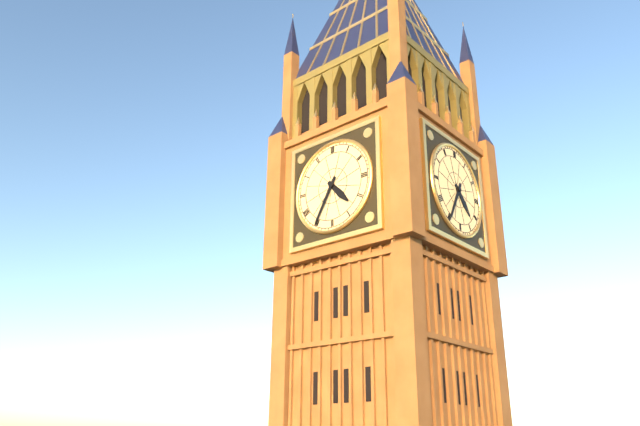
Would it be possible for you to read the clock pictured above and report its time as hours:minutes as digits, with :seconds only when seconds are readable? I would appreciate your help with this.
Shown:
4:35
